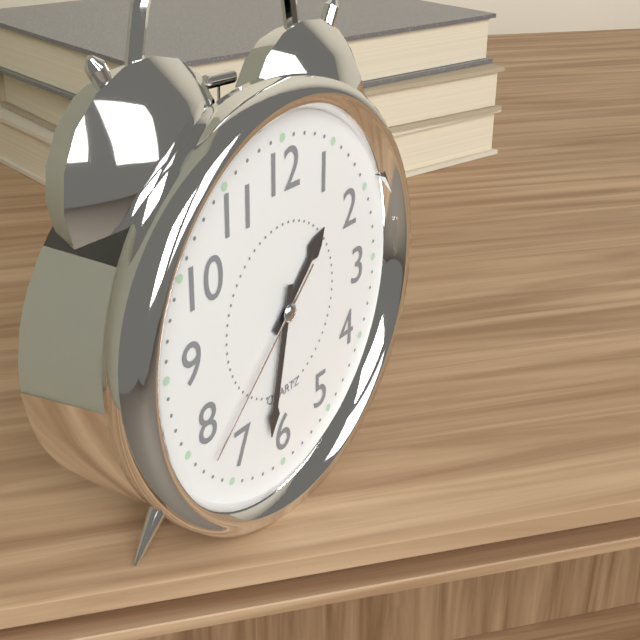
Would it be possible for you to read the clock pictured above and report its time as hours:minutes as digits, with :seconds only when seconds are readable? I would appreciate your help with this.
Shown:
1:32:38
